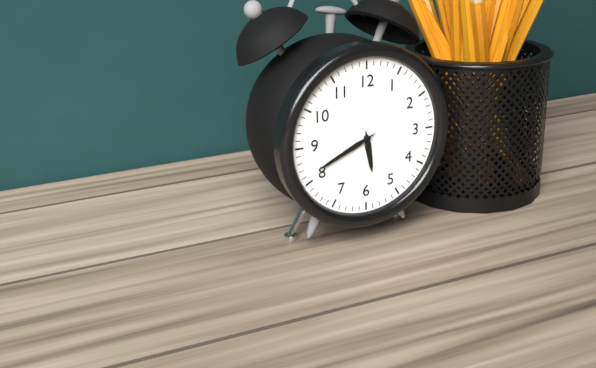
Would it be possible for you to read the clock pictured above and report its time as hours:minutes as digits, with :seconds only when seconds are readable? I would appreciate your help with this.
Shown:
5:41
